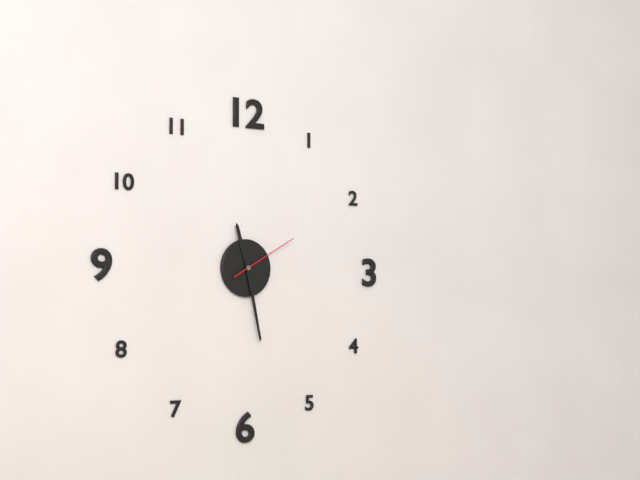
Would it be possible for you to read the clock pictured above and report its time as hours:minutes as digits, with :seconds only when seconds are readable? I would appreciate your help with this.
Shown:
11:28:10
